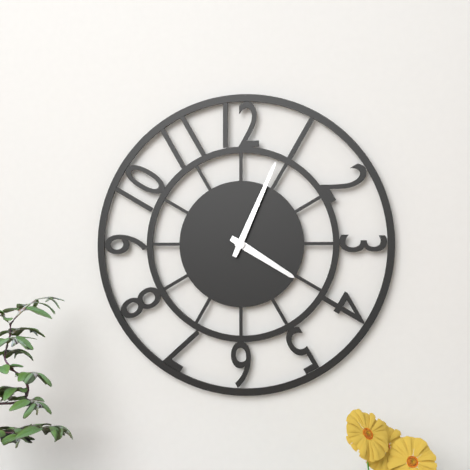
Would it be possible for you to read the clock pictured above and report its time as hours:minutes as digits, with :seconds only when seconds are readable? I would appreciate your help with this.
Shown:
4:04
